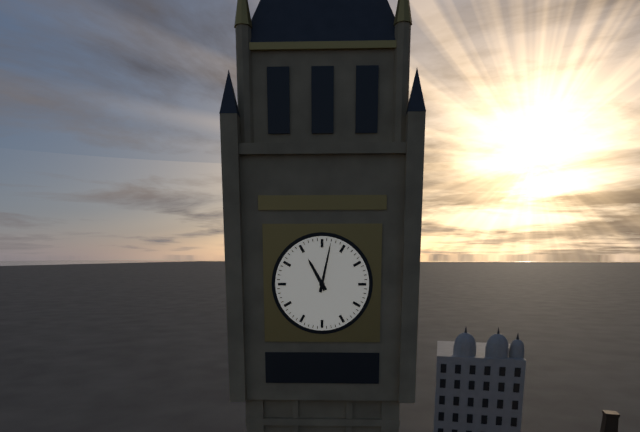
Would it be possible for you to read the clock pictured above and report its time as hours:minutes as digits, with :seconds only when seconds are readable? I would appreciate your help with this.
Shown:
11:02
